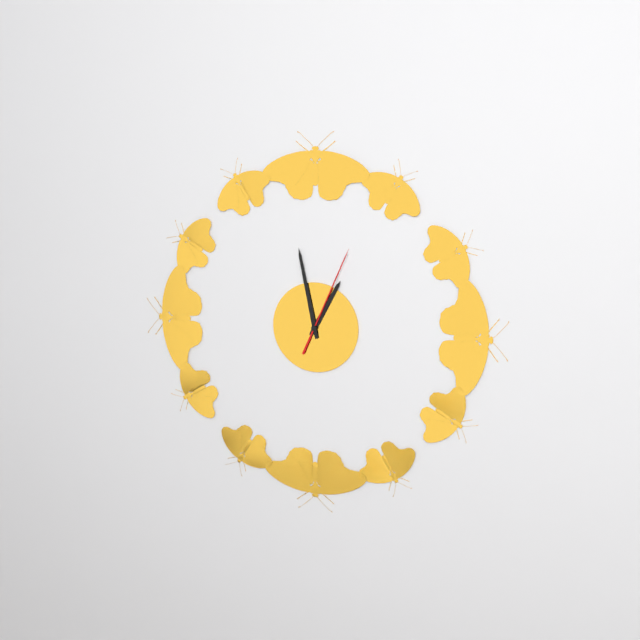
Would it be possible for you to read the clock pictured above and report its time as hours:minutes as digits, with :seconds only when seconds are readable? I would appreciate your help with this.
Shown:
12:58:04
